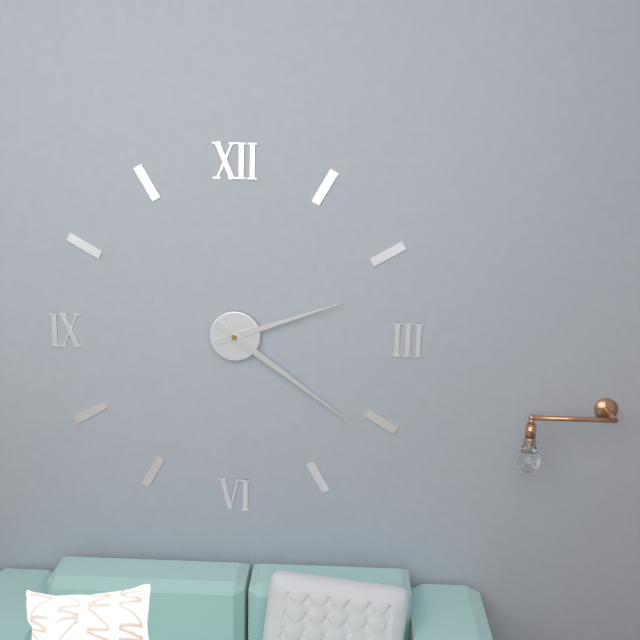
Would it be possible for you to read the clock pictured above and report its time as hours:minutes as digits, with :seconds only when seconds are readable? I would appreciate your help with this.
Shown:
2:21
